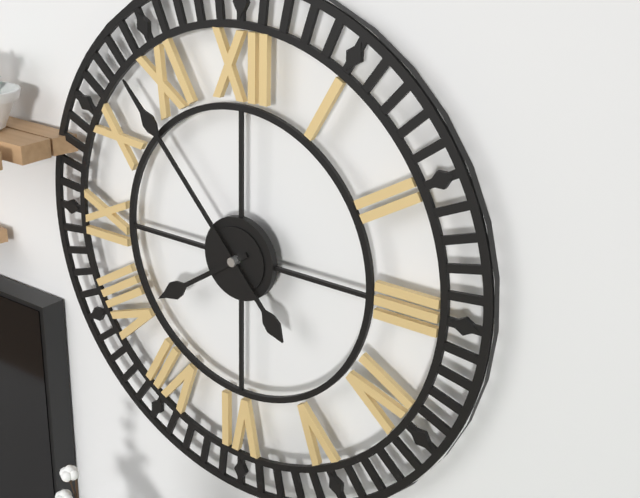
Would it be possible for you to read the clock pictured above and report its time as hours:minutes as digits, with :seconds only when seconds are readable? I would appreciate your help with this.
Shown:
7:53
